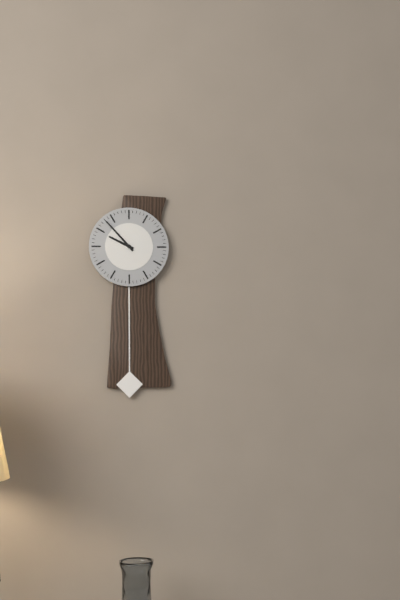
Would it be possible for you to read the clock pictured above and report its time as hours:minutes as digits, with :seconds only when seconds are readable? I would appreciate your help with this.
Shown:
9:53
